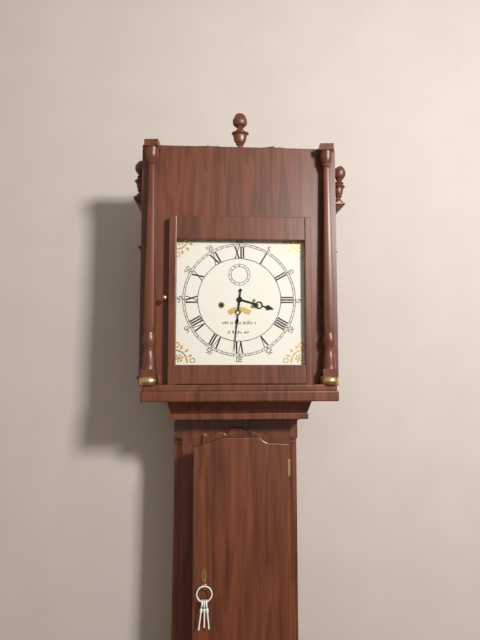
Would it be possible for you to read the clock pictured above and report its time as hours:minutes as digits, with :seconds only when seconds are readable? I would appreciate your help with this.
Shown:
3:31
